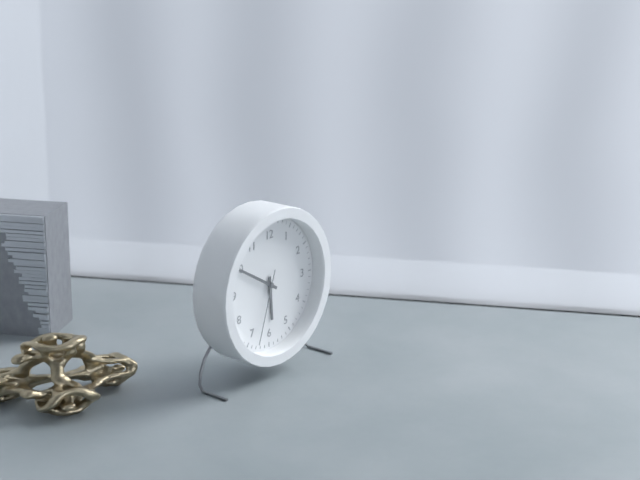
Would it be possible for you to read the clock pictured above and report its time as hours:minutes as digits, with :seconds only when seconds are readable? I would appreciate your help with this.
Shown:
5:50:33
